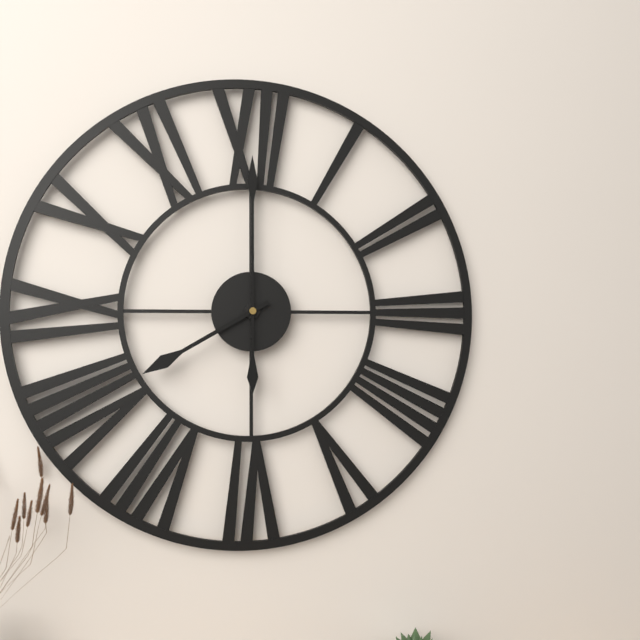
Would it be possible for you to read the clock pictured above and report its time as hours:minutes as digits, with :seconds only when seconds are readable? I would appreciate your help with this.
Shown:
8:00
